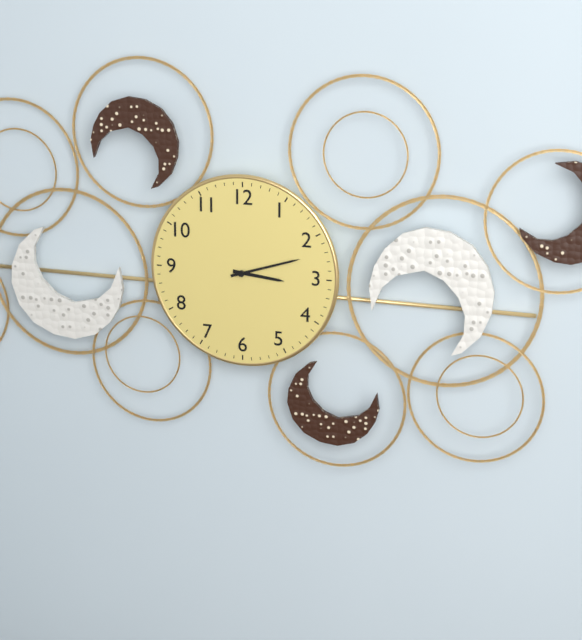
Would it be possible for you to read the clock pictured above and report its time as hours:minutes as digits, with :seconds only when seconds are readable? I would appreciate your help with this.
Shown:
3:12
